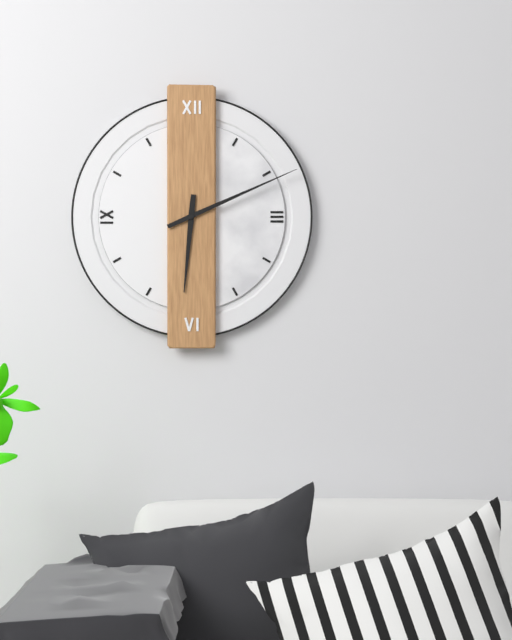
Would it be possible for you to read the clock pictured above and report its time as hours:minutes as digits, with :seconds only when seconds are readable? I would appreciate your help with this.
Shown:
6:11
